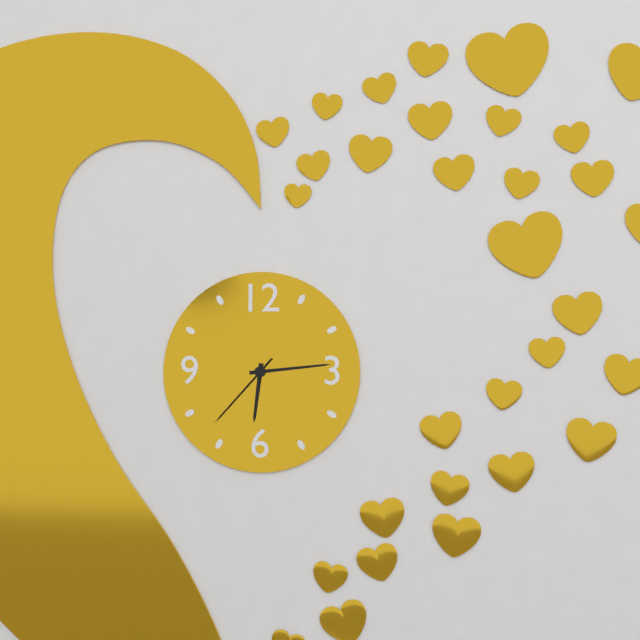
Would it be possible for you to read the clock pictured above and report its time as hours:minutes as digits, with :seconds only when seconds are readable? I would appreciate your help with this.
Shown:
6:14:37
